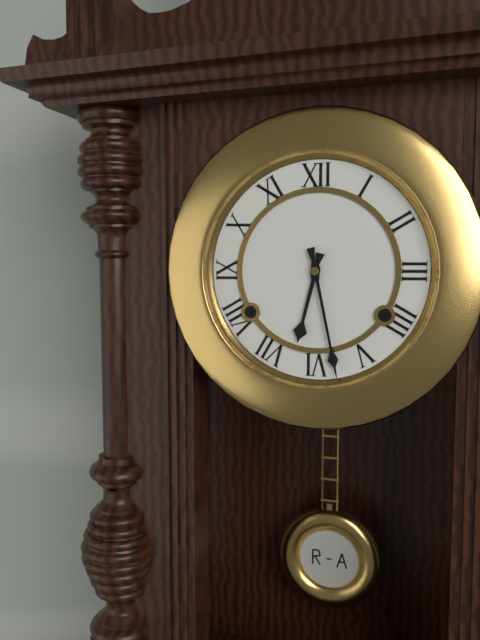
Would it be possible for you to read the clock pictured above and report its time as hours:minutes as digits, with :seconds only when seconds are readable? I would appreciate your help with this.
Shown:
6:28
